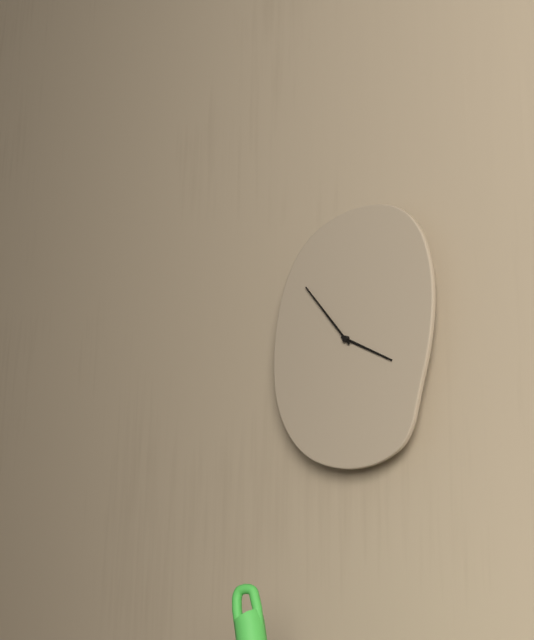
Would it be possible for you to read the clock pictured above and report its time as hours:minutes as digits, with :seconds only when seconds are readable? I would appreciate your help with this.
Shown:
3:53
